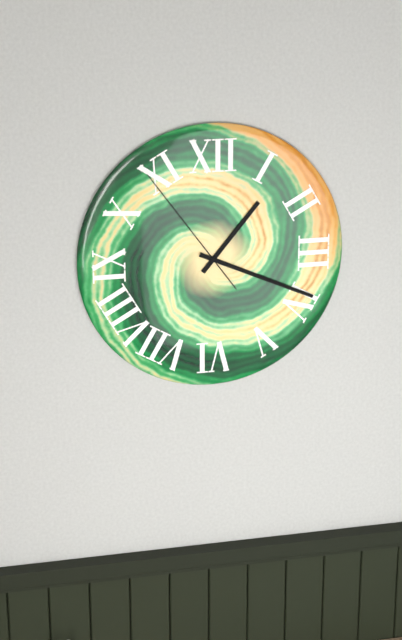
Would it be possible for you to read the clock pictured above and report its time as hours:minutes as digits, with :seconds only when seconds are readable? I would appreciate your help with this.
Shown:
1:19:54
